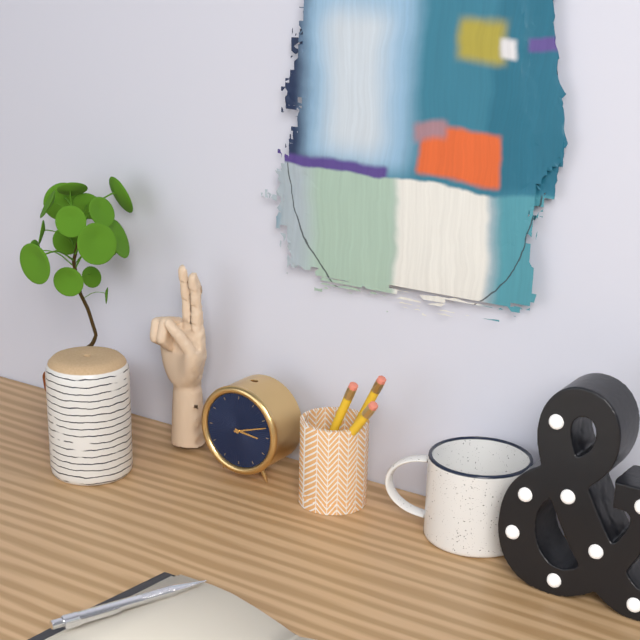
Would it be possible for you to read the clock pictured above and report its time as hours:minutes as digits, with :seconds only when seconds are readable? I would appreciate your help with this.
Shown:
3:12
